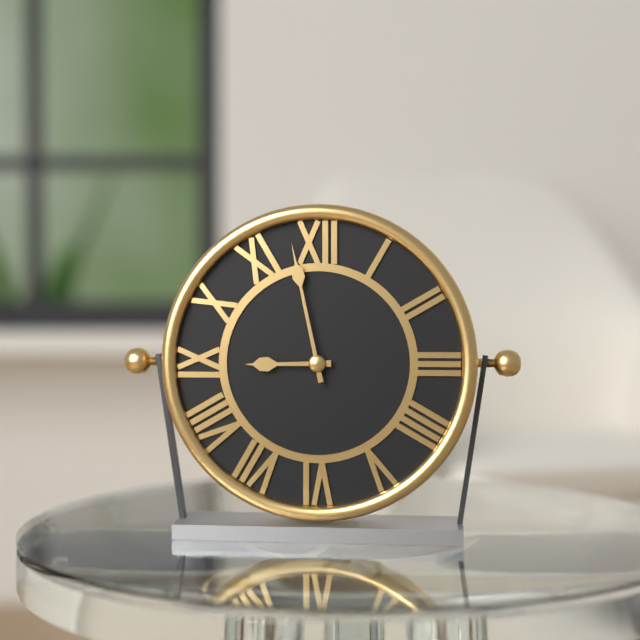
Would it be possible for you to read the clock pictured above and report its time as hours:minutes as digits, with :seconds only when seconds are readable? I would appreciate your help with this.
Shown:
8:58
